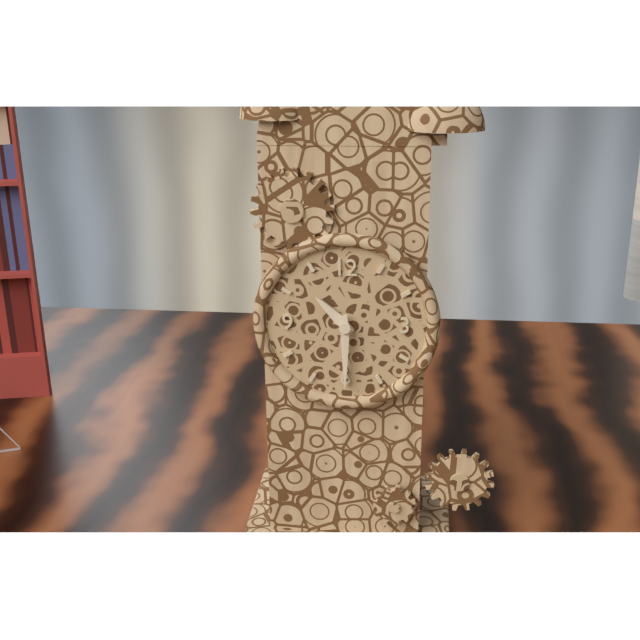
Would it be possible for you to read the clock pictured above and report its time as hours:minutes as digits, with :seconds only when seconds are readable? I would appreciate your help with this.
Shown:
10:30
